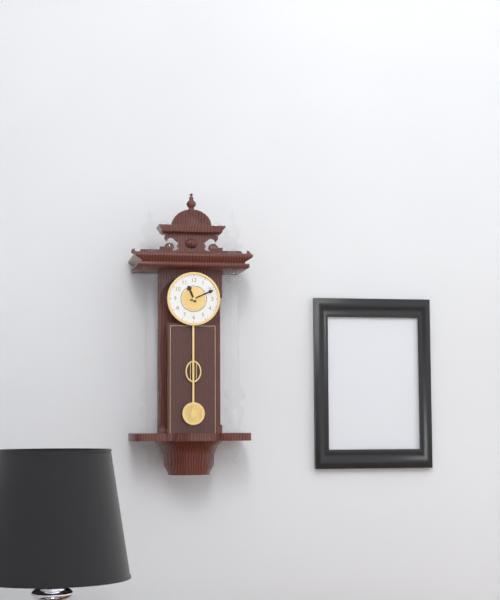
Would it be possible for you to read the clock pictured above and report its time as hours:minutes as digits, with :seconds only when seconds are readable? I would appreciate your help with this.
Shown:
11:11
